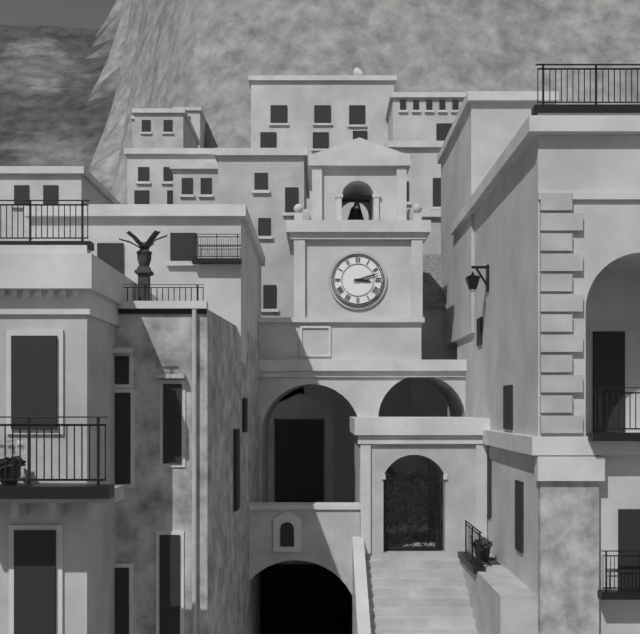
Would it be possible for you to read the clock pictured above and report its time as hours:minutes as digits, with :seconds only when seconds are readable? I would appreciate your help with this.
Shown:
3:12
